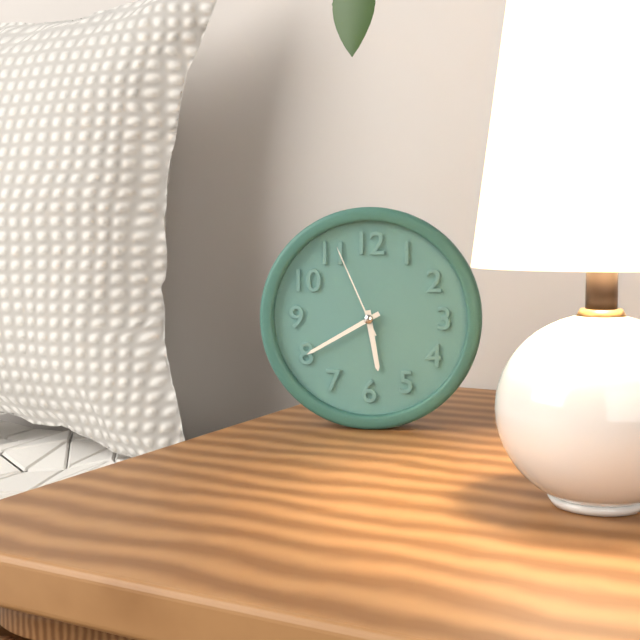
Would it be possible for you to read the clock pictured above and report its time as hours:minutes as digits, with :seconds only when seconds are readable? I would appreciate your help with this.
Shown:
5:40:56
